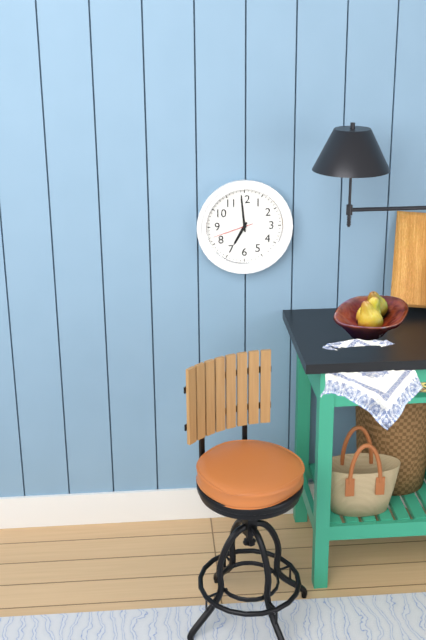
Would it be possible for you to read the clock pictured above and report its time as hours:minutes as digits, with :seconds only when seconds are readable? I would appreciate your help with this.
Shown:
6:59
